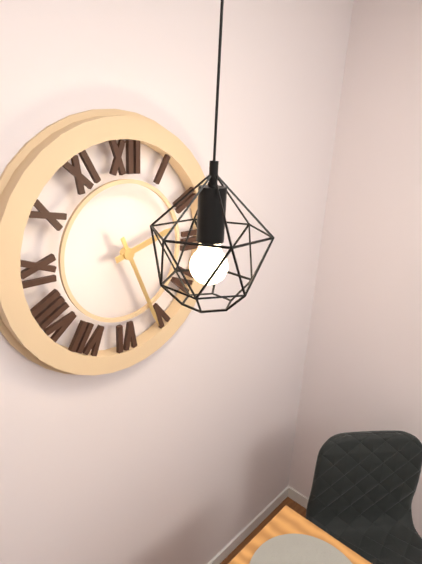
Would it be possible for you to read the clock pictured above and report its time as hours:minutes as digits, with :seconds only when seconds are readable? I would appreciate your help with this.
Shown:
2:26
